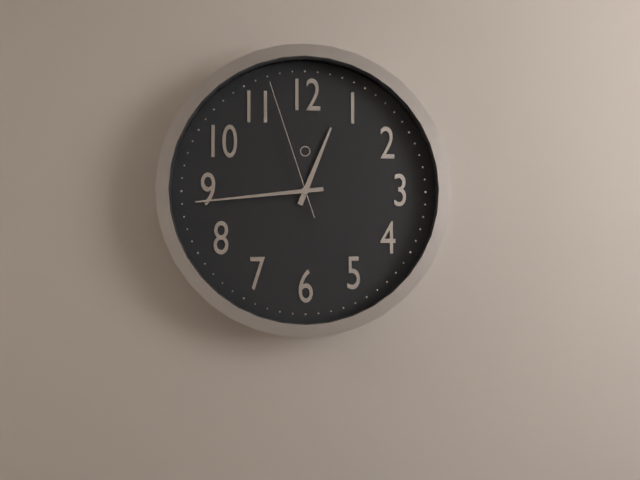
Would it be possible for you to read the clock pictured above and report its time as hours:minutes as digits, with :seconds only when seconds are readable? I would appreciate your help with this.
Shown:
12:44:57
